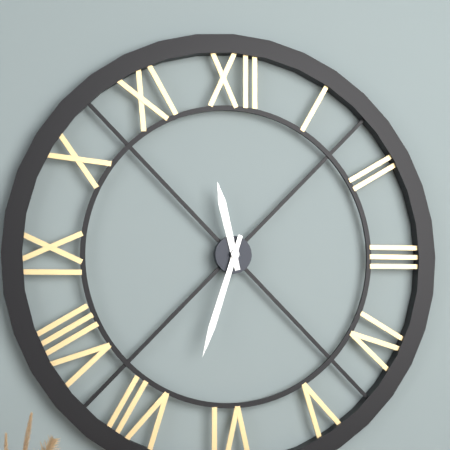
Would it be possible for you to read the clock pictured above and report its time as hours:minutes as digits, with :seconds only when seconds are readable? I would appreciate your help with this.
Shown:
11:33
